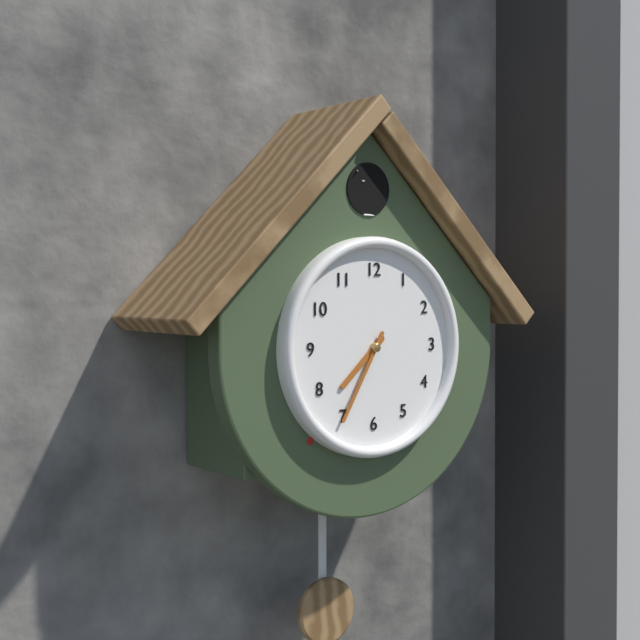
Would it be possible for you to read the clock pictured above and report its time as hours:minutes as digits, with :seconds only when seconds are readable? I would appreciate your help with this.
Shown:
7:35
